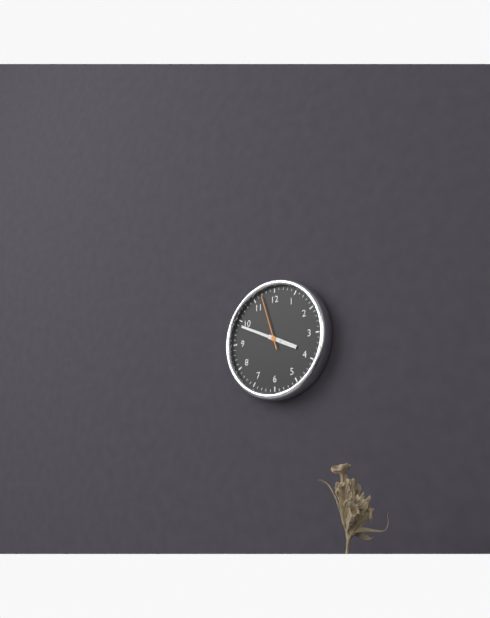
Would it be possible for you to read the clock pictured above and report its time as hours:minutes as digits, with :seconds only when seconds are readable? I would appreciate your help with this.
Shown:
3:49:57
